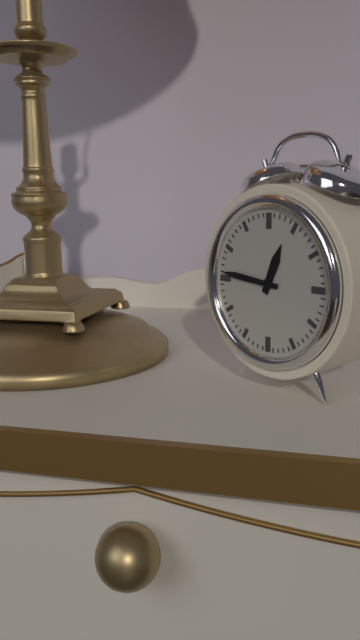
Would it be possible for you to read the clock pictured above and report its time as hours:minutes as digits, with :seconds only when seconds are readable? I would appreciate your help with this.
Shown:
12:46
